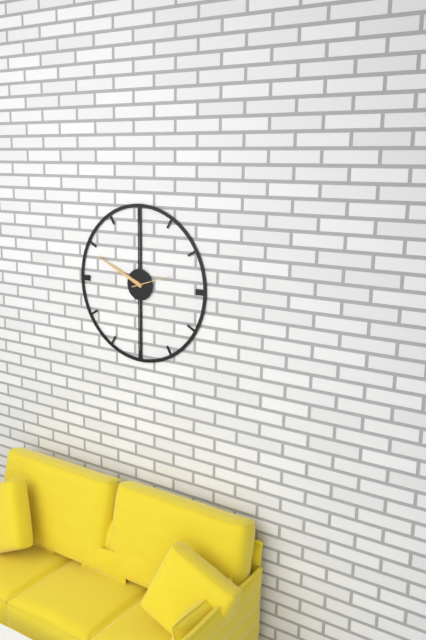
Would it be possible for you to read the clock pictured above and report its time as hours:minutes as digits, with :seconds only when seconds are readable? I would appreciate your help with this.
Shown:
9:49
